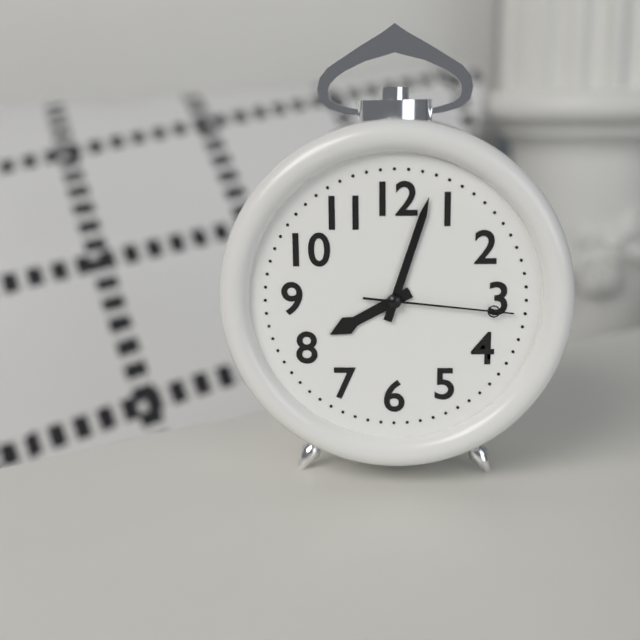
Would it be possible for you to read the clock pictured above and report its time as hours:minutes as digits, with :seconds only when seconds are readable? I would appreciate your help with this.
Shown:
8:03:16
